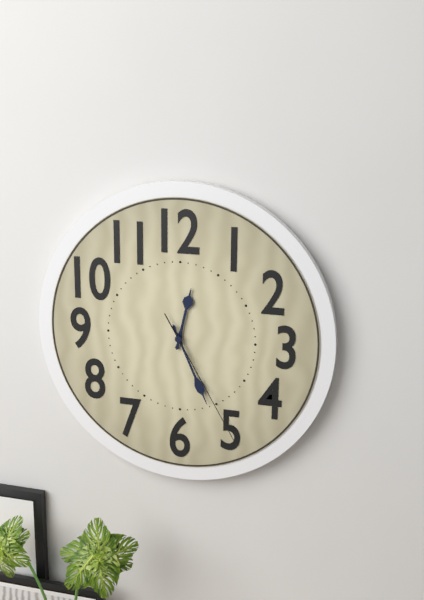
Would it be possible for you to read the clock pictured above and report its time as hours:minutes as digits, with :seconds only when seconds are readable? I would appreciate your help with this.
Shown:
12:26:25
